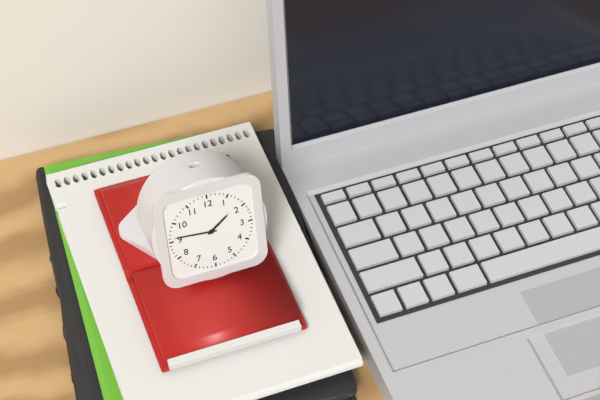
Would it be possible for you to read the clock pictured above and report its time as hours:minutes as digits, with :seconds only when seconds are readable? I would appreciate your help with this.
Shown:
1:46
